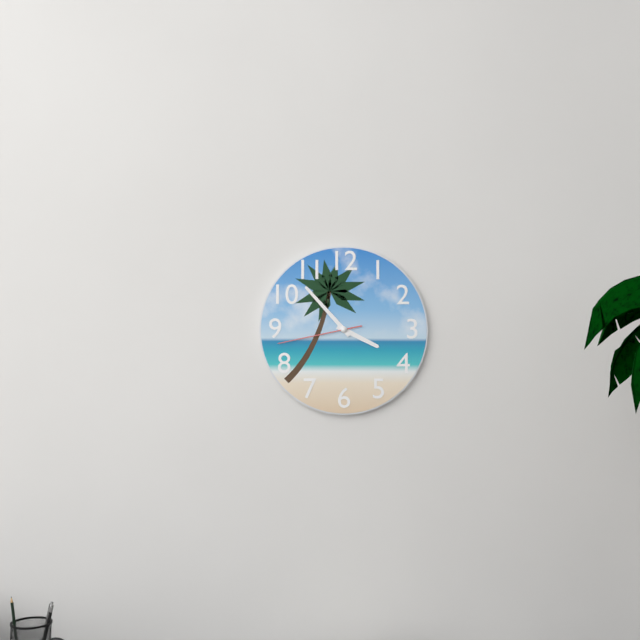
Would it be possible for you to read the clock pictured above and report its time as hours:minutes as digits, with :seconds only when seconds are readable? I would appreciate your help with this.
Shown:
3:53:43
